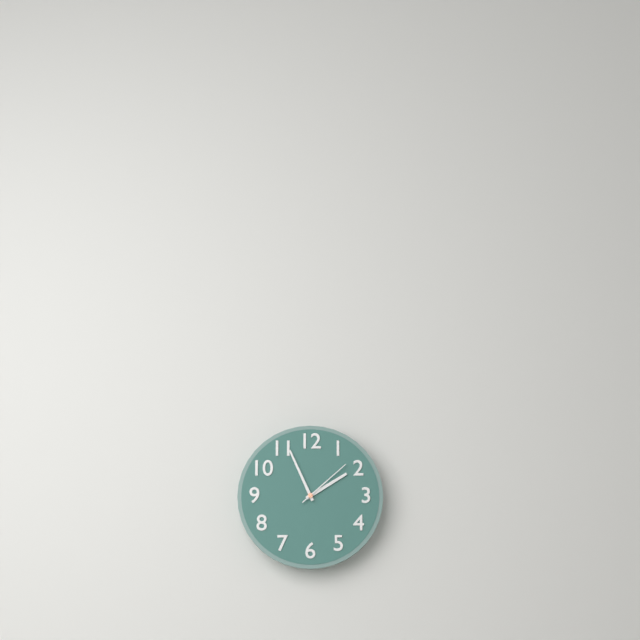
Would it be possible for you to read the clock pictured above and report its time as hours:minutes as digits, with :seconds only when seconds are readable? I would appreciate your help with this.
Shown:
1:56:08
